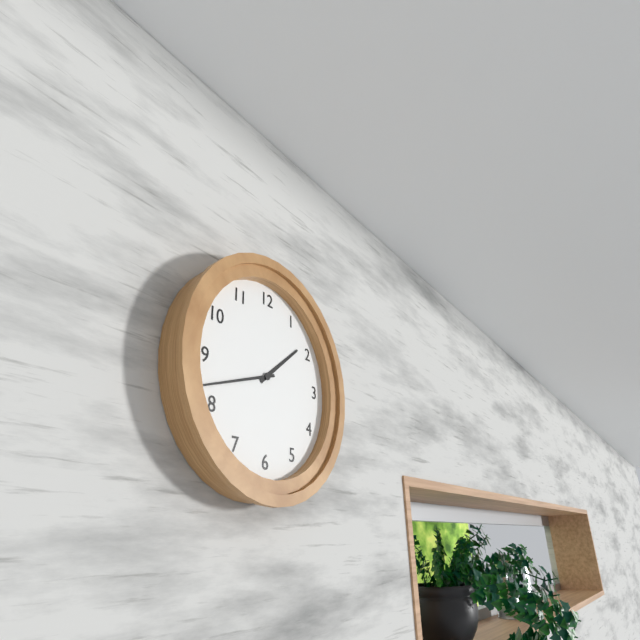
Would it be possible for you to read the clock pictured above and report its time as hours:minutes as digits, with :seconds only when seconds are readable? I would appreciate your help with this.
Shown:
1:42
